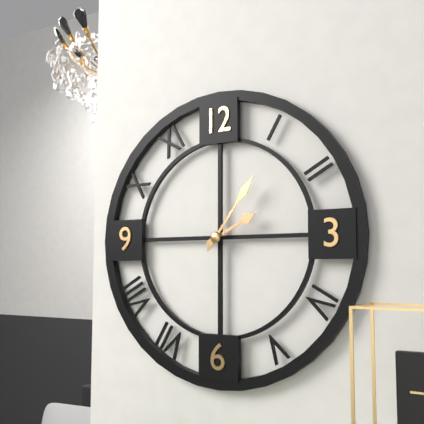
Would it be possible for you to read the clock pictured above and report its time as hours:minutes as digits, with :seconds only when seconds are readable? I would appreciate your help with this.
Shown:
2:06
